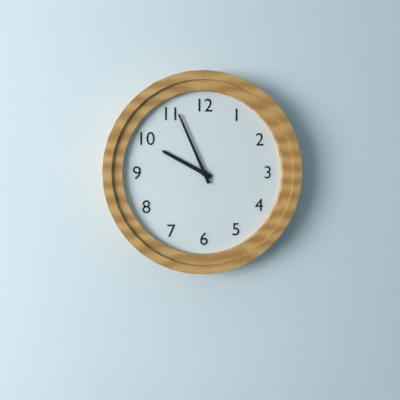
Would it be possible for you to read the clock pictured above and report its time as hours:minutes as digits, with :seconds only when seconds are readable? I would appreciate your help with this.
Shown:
9:56
